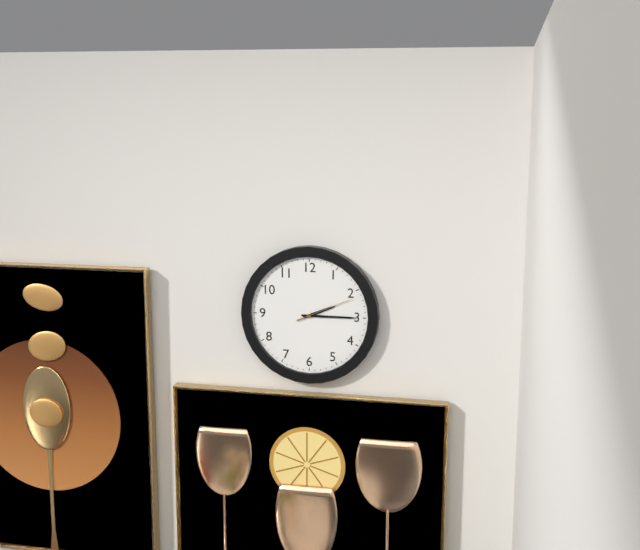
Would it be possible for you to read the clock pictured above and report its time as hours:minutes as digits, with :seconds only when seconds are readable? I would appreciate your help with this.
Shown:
2:15:11
